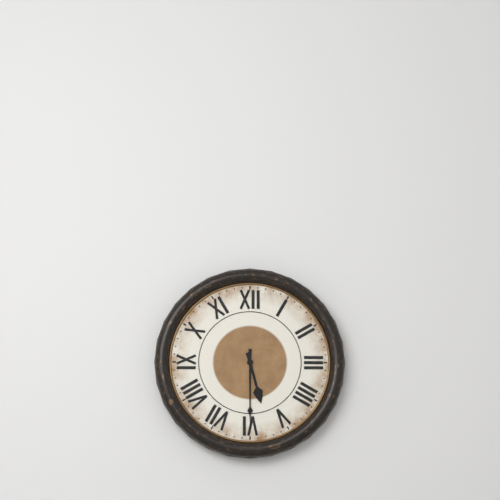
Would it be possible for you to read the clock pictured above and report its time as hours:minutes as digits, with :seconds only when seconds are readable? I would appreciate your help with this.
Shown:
5:30
